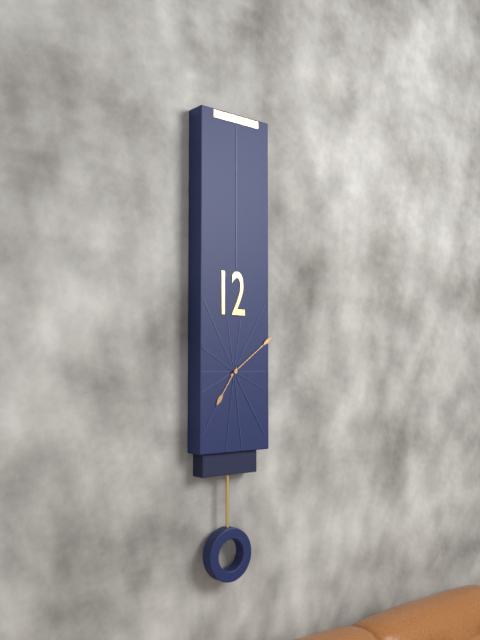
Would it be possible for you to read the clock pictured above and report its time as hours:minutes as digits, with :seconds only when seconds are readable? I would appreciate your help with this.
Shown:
7:09
